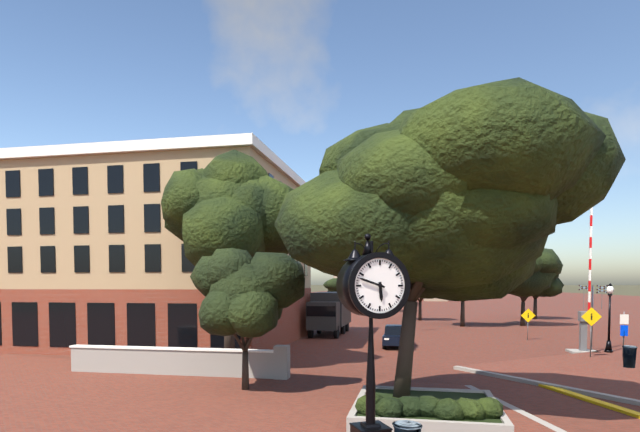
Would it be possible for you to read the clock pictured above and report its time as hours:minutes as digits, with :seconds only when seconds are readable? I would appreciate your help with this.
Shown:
5:48
